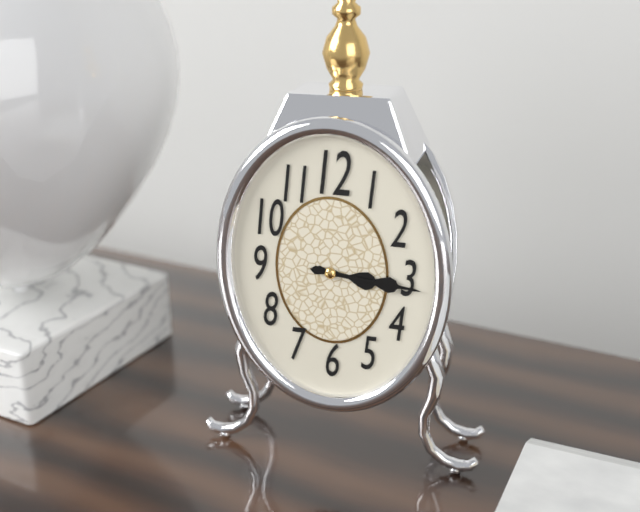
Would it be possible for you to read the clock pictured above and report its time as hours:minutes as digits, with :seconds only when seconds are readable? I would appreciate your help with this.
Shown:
3:16
